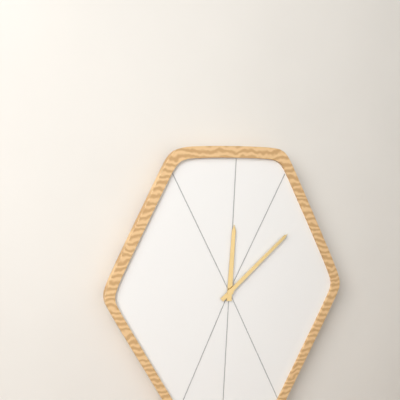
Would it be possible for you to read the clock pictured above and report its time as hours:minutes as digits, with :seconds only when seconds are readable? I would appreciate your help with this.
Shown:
12:08
